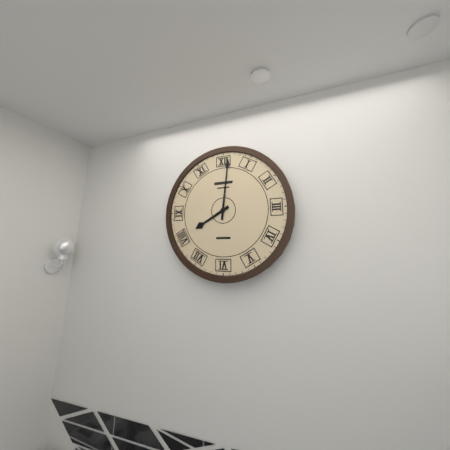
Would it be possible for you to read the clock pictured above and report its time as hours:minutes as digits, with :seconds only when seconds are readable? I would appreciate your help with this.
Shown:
8:01
